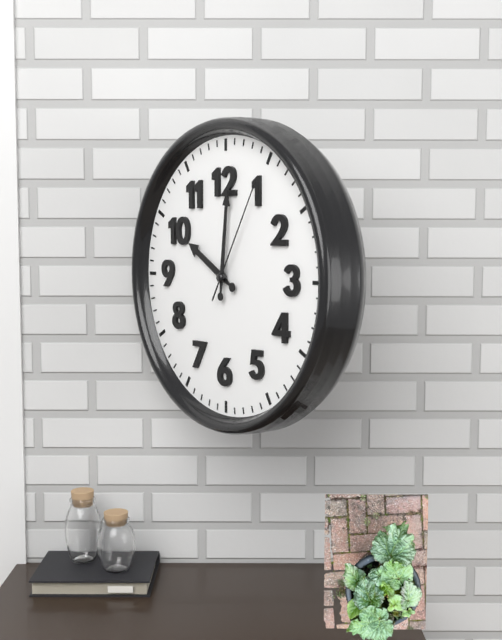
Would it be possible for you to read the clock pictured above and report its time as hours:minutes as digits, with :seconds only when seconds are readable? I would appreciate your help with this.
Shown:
10:01:05
